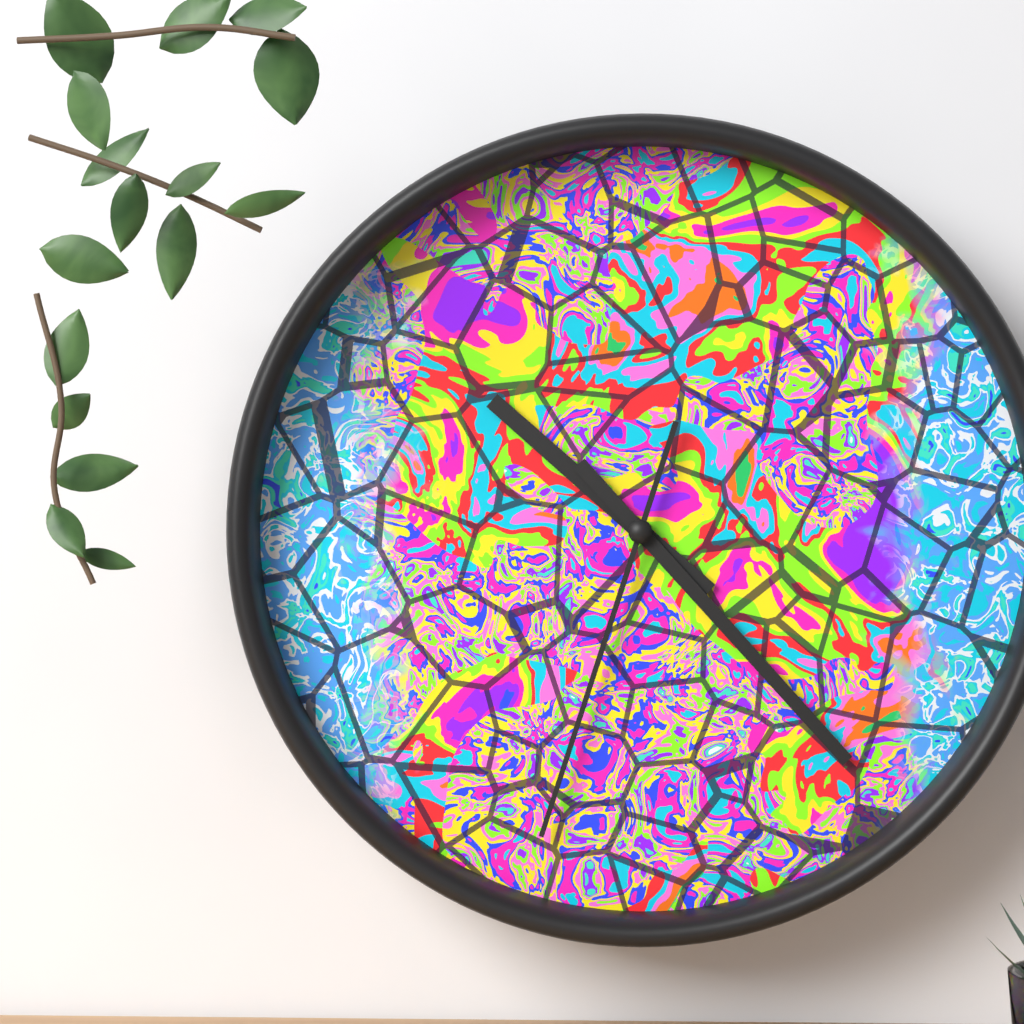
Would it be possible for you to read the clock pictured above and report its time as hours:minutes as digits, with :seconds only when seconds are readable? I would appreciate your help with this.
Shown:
10:23:33
